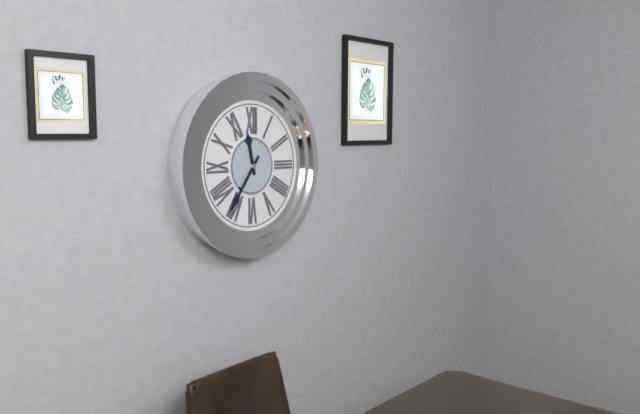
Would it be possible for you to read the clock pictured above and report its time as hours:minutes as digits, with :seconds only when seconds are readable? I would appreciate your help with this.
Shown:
11:36
